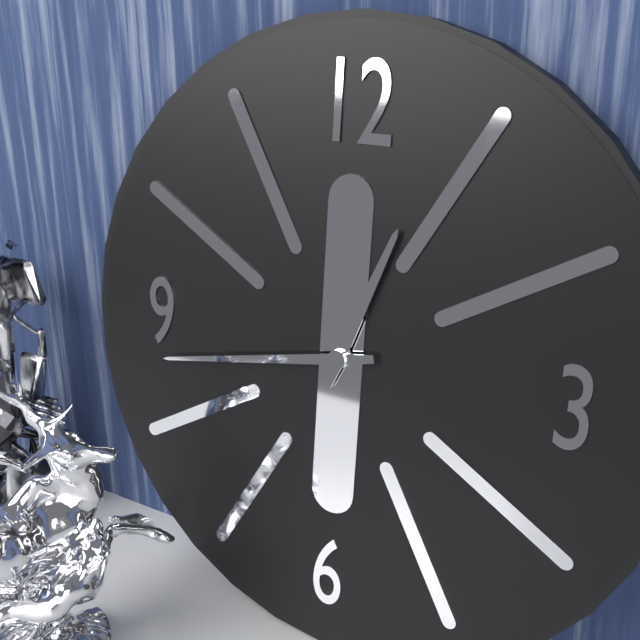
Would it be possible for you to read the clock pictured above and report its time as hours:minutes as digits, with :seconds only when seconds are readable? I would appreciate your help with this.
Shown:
12:43
